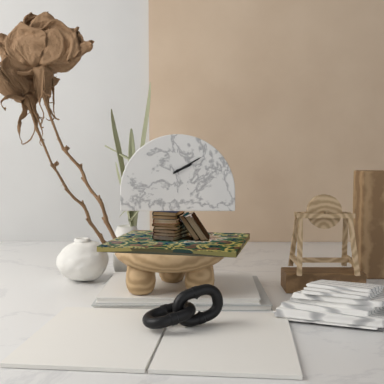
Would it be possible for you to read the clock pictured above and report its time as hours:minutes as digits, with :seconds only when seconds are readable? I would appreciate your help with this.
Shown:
2:10
